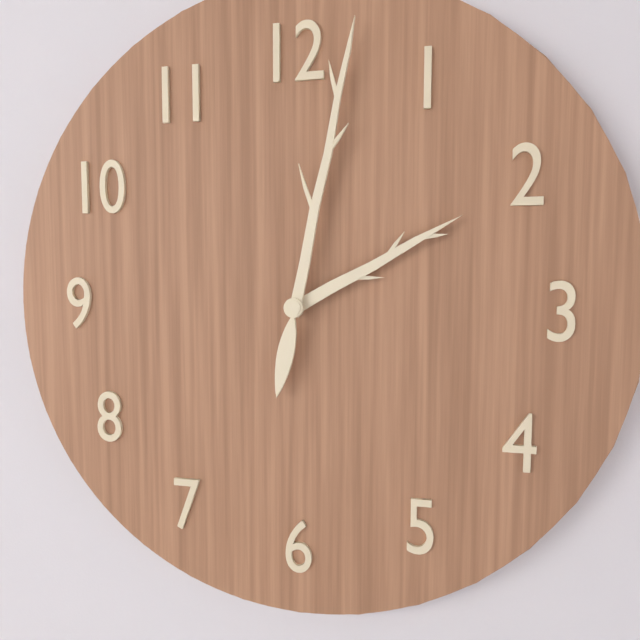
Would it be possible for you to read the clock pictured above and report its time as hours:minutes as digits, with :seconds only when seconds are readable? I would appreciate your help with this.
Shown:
2:02
